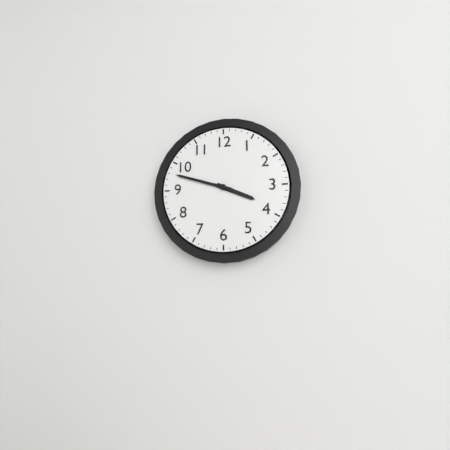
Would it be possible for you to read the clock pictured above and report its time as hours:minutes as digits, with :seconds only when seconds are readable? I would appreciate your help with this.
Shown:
3:48
